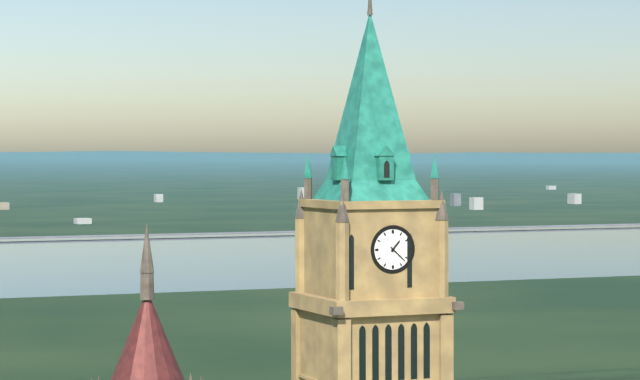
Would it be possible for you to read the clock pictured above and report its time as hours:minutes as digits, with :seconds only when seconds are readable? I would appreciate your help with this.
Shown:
1:22
